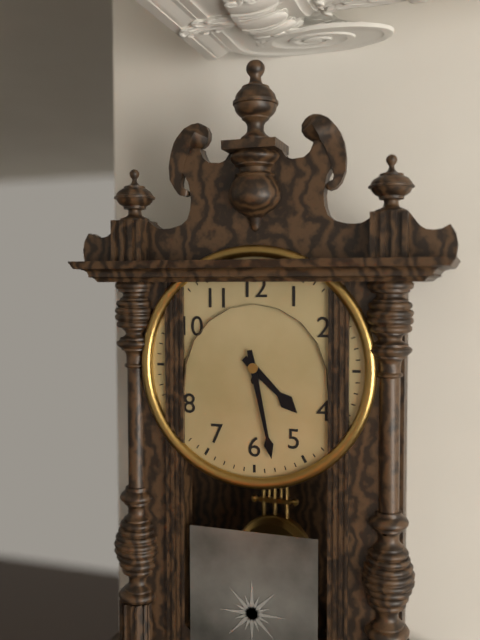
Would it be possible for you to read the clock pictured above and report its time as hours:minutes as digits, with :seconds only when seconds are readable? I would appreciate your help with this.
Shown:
4:28
